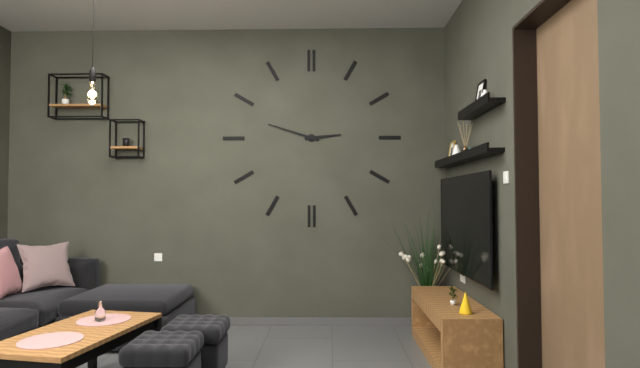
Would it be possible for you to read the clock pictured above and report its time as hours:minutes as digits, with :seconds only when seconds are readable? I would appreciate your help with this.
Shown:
2:48
